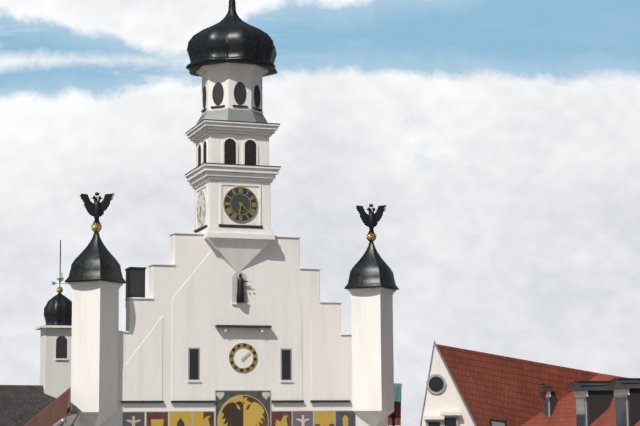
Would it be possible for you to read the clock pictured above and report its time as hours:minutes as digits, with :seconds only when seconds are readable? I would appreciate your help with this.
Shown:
6:22
